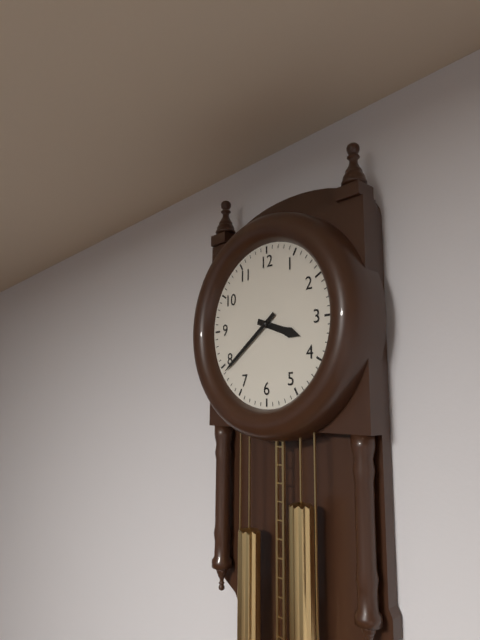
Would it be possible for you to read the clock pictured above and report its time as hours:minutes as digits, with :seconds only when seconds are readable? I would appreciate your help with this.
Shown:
3:39
